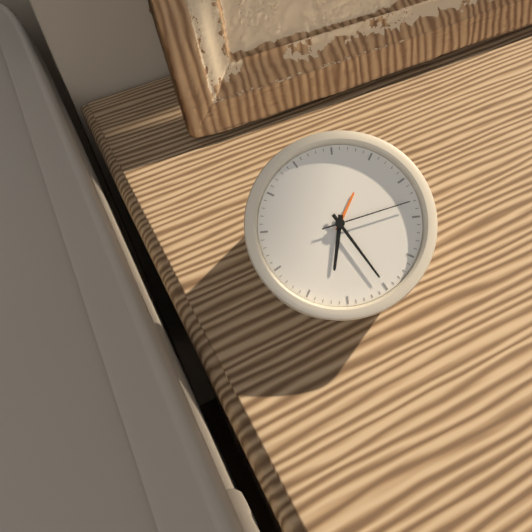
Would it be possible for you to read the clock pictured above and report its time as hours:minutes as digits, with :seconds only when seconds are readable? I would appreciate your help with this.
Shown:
6:25:13
